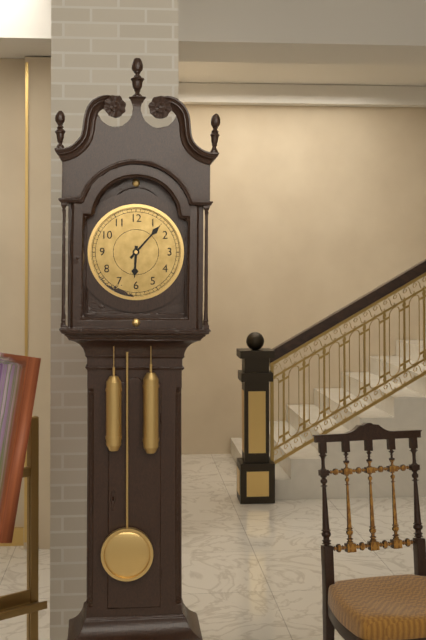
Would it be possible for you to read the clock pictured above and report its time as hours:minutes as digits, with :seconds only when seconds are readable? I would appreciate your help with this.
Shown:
6:07
